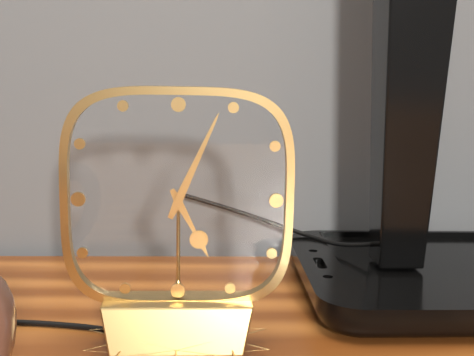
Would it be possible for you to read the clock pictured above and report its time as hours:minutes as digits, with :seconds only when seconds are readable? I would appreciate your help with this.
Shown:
5:04
